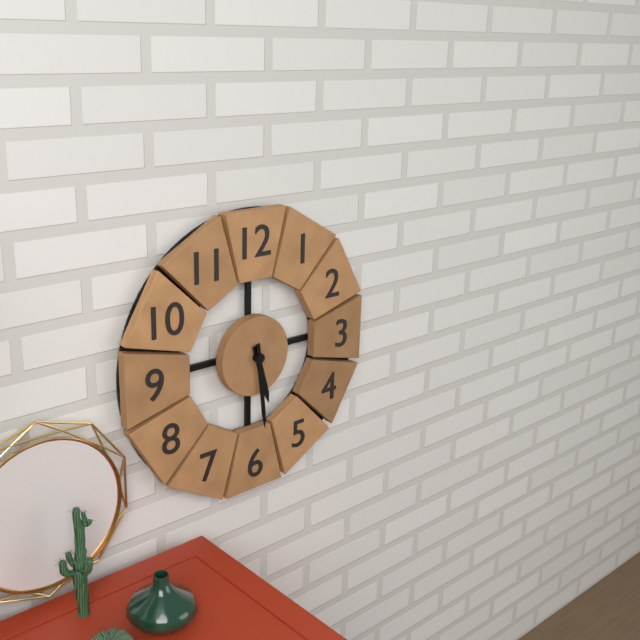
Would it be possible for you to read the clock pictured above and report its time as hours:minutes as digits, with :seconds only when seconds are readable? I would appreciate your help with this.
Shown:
5:29
